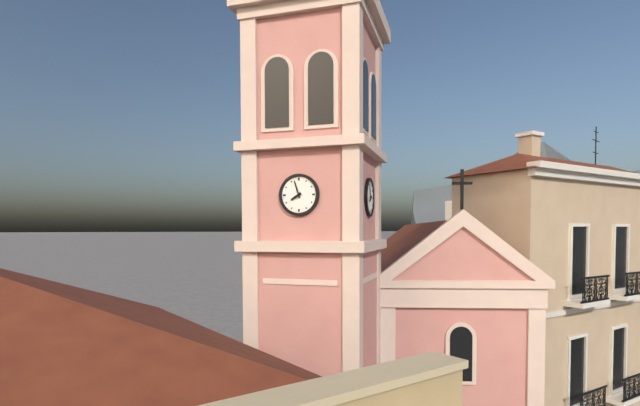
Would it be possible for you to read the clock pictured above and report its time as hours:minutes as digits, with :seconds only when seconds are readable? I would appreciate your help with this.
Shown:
7:57
